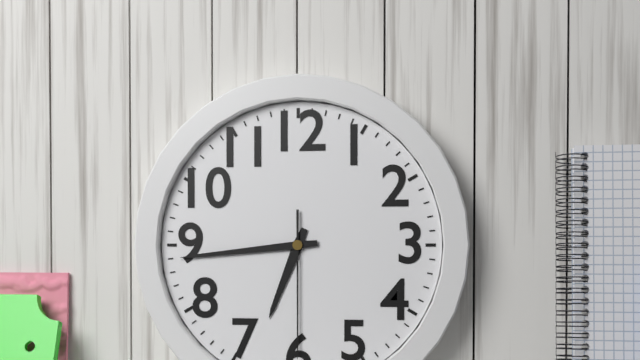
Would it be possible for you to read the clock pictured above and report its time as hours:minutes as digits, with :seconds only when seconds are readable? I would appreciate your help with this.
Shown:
6:44
